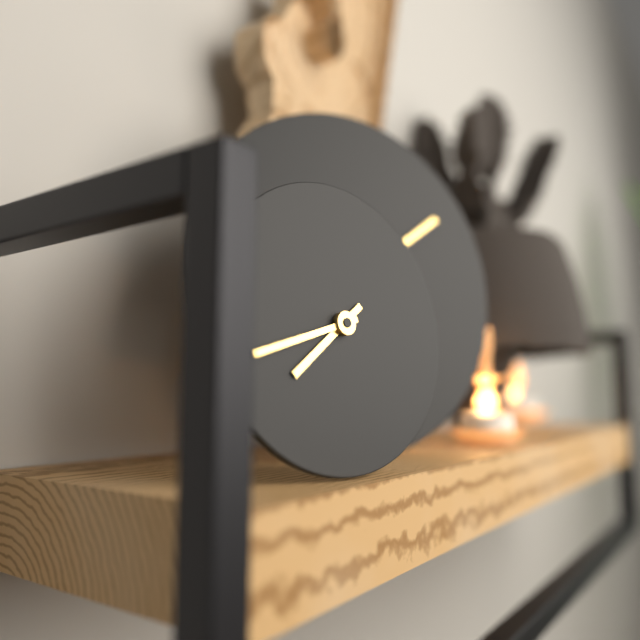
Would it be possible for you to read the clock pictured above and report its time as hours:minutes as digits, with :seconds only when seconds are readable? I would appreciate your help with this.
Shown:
7:42
